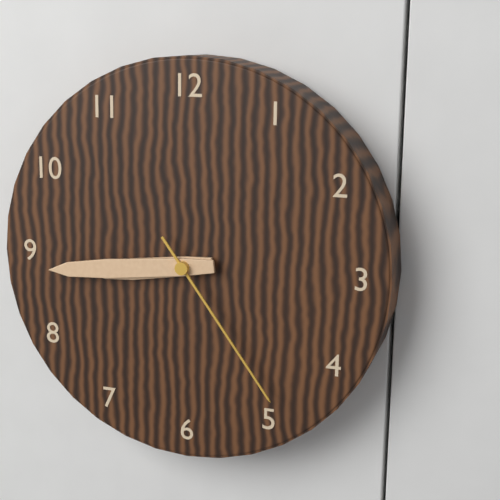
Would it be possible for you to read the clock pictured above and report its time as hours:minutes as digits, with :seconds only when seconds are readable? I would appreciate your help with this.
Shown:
8:44:24
